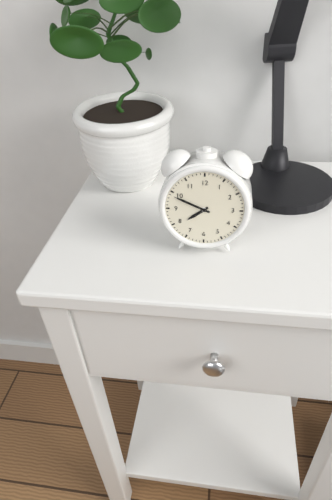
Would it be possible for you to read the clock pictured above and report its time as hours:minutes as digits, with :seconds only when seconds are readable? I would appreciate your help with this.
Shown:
7:49
